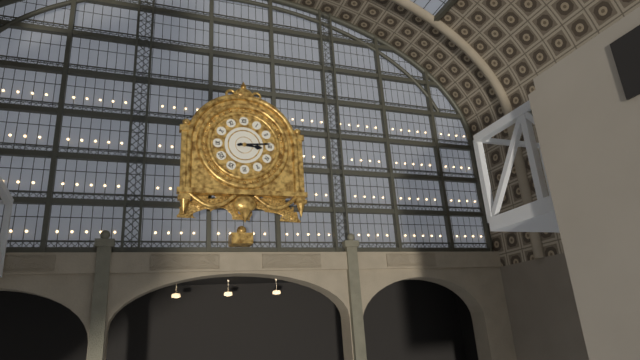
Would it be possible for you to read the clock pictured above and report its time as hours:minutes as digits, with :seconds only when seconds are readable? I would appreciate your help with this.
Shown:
3:14
